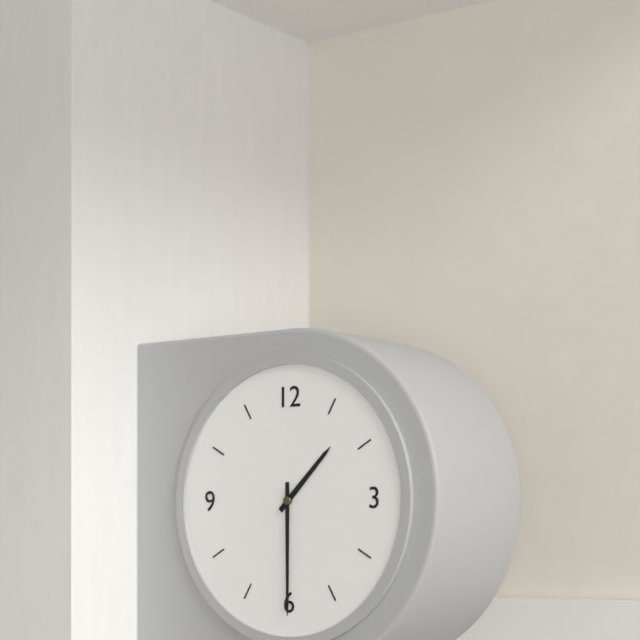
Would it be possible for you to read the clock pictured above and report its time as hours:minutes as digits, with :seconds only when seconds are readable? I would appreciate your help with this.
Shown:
1:30
